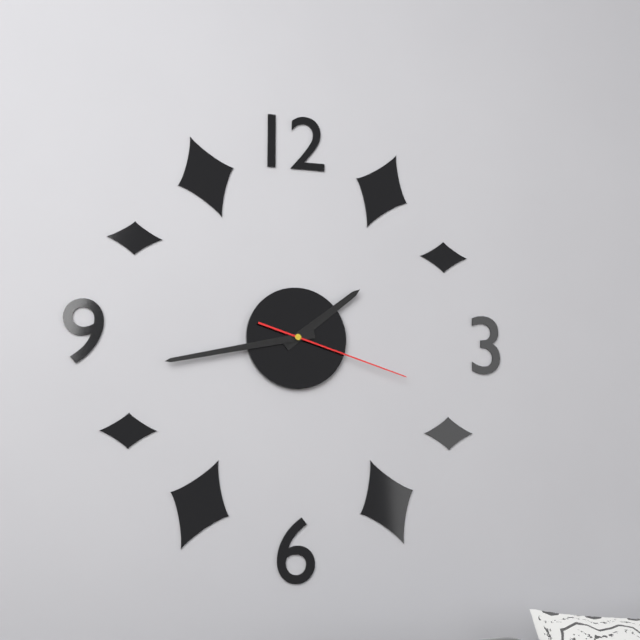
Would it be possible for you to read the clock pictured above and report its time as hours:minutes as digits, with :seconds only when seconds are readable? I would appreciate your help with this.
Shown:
1:43:18
